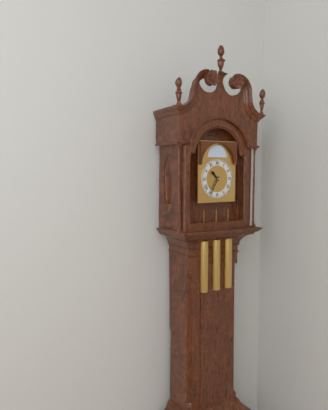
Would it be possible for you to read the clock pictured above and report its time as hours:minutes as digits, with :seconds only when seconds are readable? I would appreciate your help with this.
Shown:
10:35
